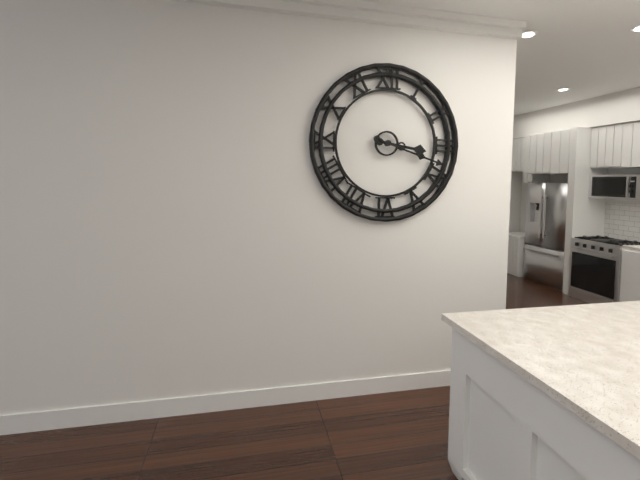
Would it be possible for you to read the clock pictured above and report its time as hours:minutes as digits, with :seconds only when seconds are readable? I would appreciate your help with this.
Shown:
3:18
